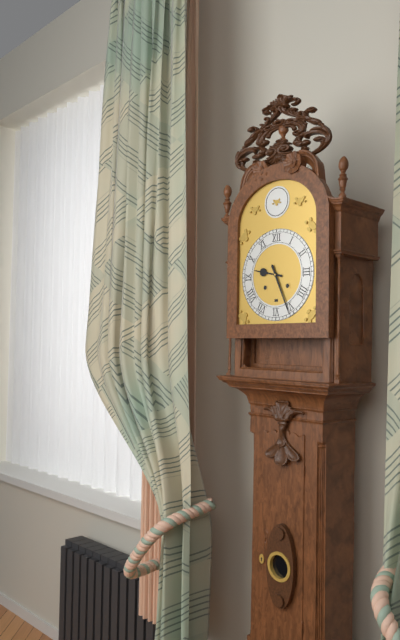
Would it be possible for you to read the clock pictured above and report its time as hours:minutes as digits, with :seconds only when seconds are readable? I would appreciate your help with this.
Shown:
9:26
